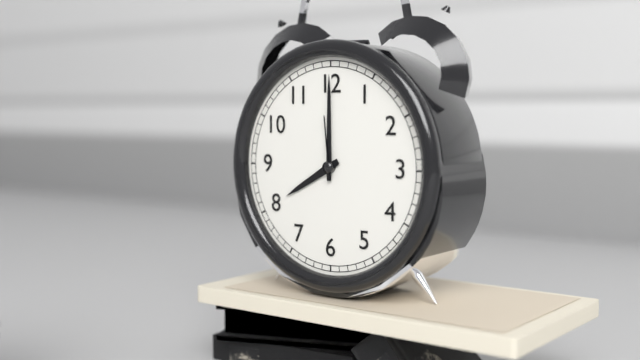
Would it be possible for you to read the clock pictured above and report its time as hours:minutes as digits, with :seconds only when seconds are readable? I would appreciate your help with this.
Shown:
8:00:59
